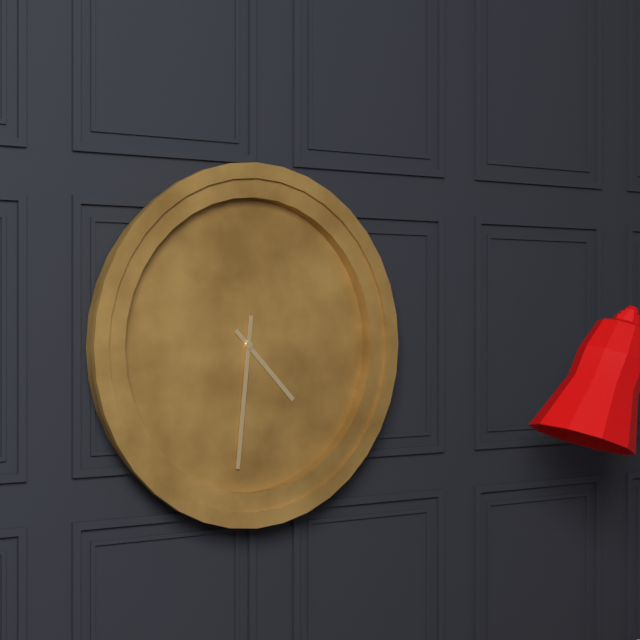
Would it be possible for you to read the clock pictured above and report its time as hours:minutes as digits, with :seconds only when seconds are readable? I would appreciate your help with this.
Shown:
4:31
